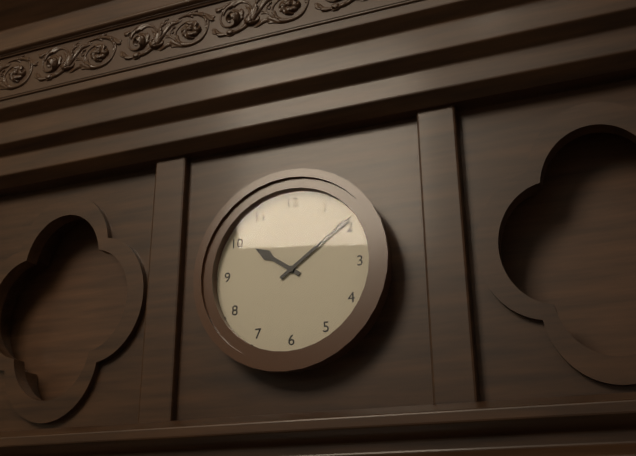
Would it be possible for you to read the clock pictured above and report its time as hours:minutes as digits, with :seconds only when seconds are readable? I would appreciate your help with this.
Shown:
10:09
